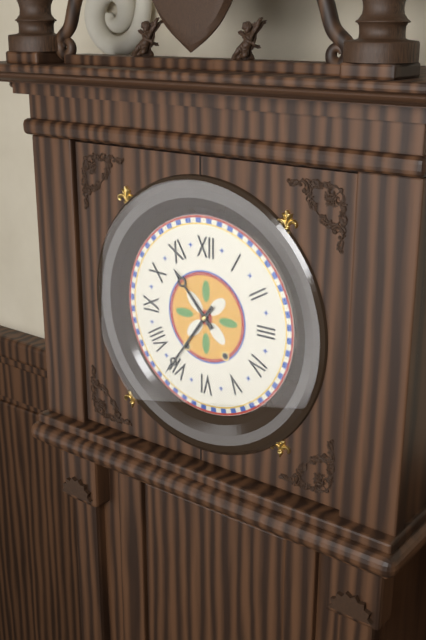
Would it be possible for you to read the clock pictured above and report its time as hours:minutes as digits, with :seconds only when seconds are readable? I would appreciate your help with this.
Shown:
10:36
